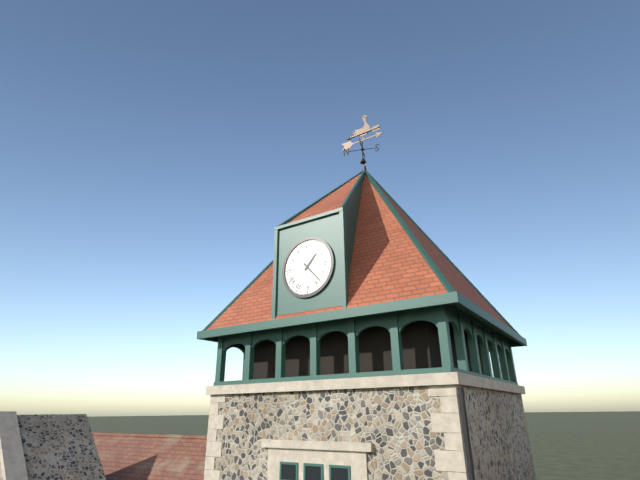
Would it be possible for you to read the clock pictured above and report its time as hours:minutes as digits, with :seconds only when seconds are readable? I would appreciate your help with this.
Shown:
1:23
